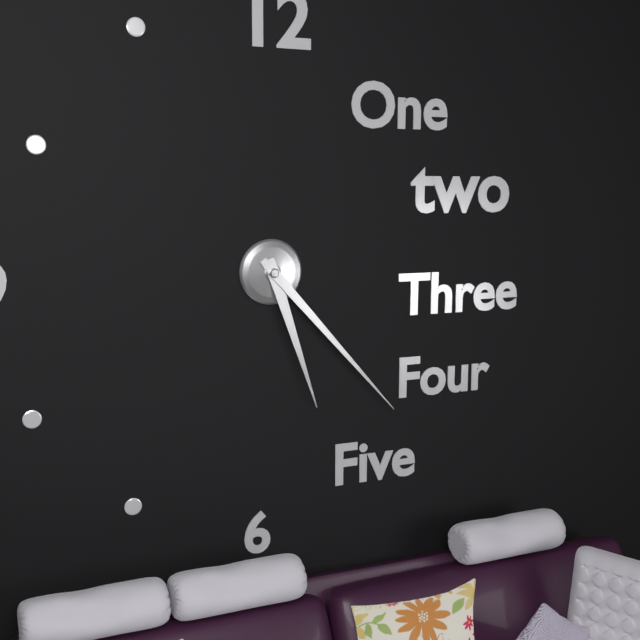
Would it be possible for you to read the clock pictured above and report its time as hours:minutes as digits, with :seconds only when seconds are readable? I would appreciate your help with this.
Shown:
5:23
